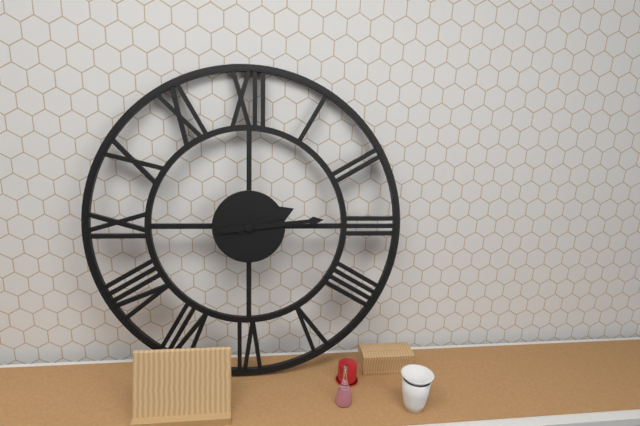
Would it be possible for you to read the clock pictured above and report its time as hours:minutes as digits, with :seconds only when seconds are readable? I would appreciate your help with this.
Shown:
2:14
